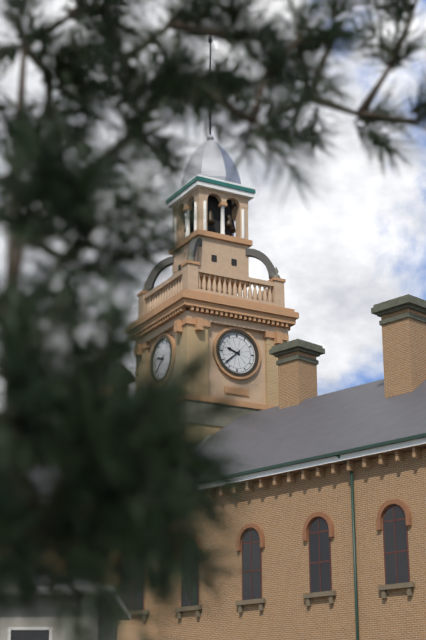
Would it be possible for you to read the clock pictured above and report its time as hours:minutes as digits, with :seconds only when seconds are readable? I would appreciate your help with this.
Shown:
9:38
